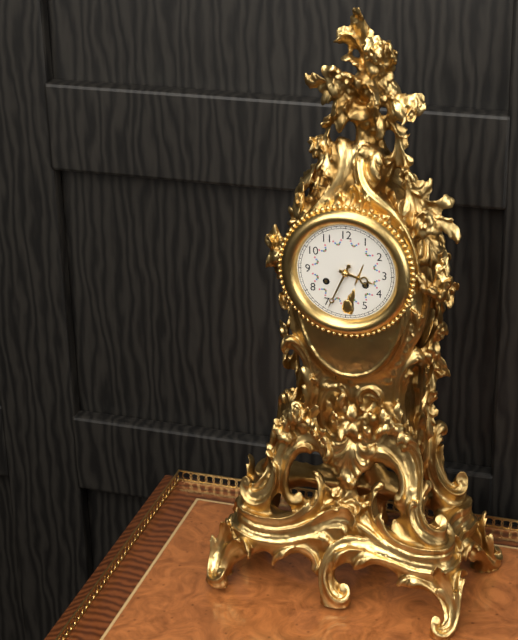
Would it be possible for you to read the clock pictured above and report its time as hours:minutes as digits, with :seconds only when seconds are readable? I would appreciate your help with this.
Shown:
3:34
